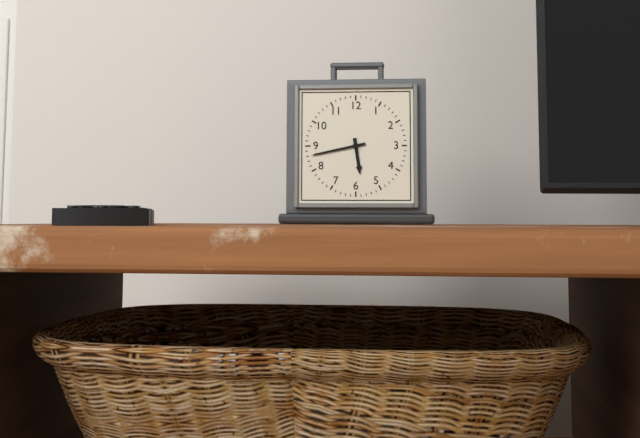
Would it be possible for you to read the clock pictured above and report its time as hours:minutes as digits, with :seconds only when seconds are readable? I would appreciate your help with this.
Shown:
5:43
